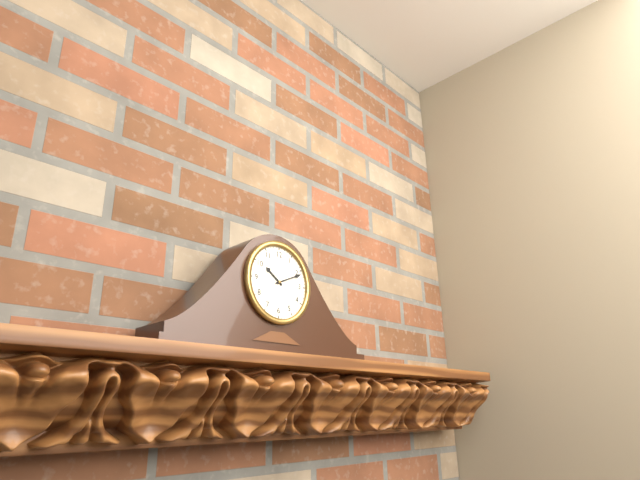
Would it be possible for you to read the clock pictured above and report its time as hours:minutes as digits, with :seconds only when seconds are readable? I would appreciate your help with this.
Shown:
10:11
